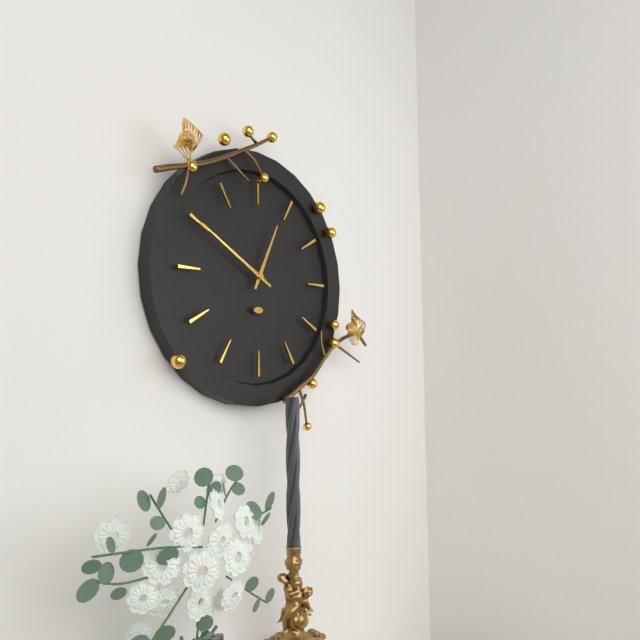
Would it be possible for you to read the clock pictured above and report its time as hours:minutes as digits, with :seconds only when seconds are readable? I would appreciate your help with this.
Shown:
12:50
